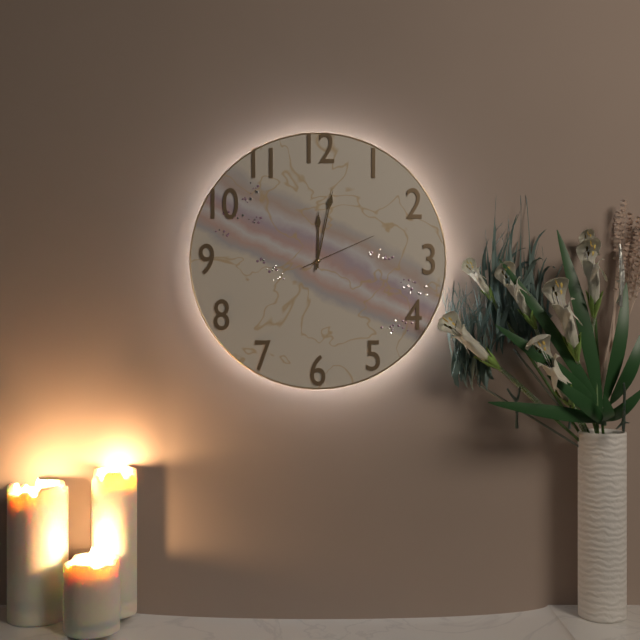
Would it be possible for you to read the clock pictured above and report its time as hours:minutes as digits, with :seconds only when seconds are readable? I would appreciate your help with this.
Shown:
12:02:11
